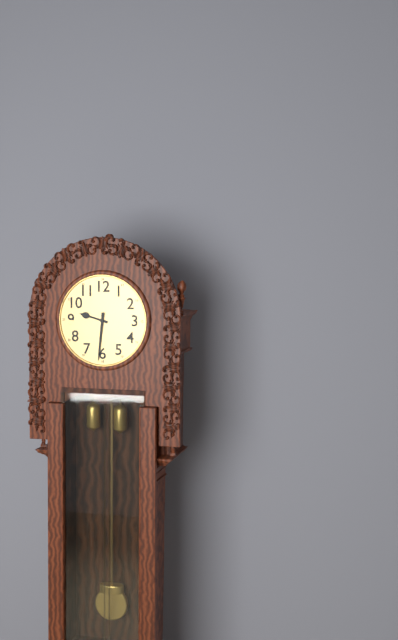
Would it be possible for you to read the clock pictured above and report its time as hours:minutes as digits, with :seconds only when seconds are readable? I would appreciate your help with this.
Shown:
9:31
